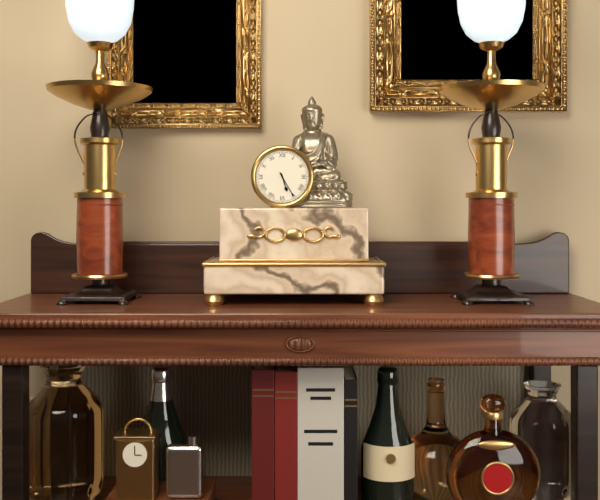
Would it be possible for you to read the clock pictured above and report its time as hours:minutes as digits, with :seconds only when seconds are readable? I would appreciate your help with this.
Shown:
5:25
